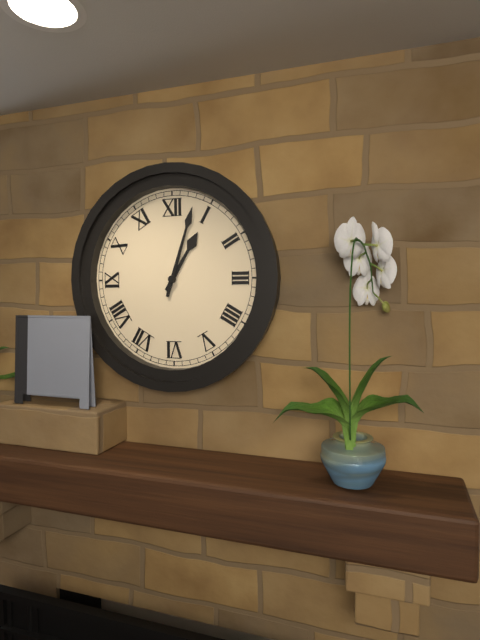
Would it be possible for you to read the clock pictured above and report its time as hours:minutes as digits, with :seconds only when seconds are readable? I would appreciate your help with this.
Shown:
1:03
